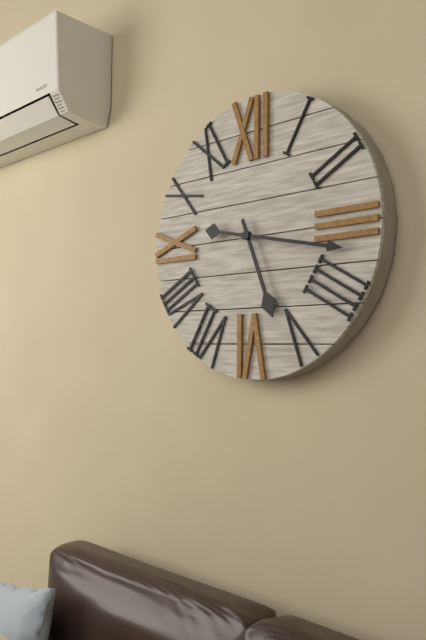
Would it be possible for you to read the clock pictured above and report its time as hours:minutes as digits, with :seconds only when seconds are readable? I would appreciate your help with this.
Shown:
5:17
